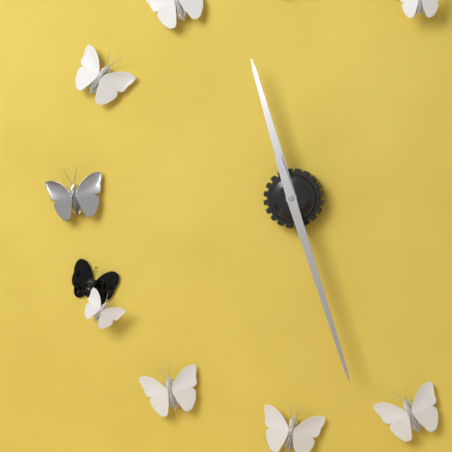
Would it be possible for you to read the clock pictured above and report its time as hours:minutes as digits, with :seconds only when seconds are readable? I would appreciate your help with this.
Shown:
11:27
